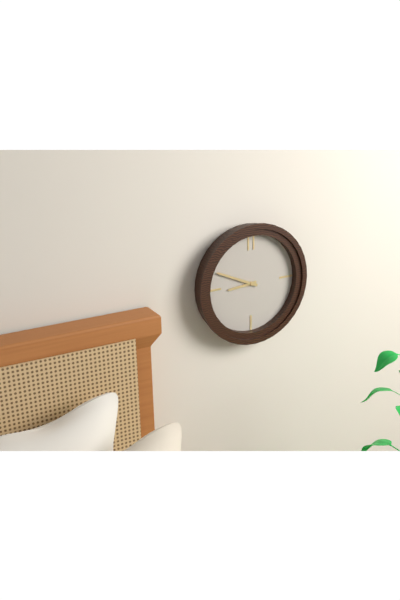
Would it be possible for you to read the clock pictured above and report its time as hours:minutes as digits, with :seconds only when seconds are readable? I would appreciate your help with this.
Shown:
8:49
